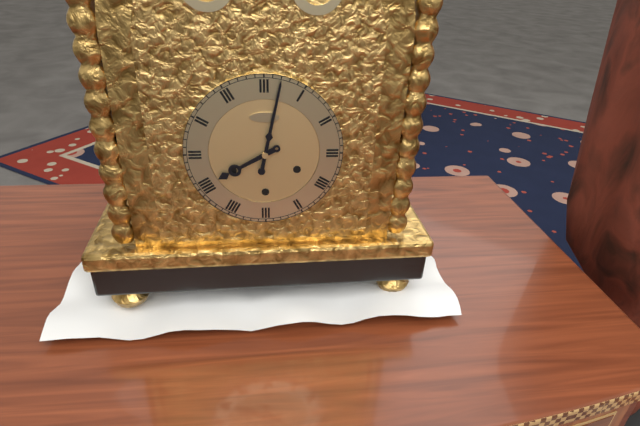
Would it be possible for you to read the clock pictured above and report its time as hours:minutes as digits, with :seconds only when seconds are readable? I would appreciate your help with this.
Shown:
8:02
